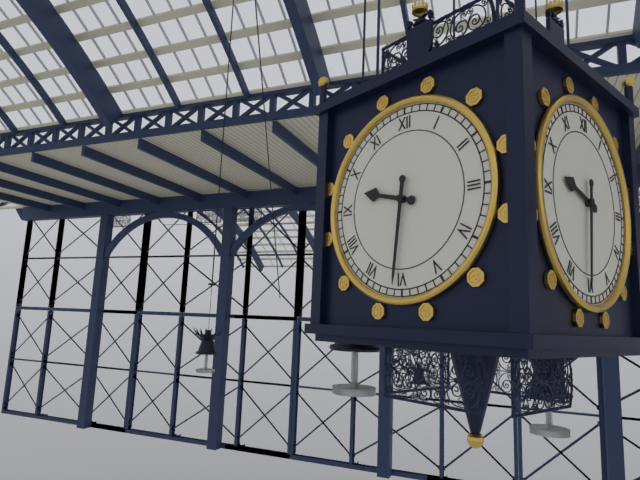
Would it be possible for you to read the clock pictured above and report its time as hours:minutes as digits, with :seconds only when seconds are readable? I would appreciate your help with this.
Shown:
9:31
